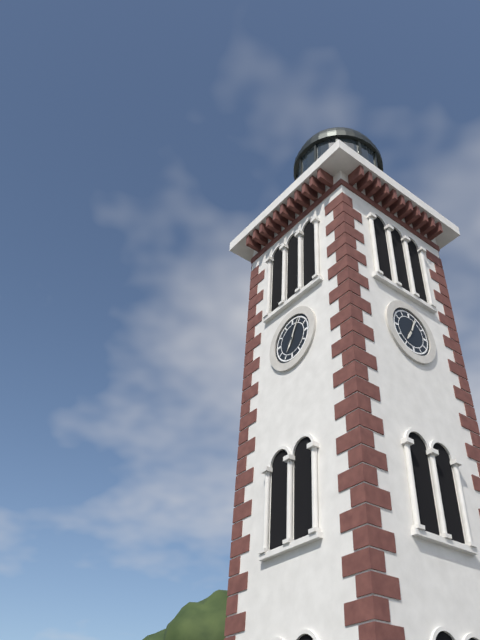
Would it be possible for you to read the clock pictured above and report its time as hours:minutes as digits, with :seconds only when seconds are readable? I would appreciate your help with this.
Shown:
7:04
